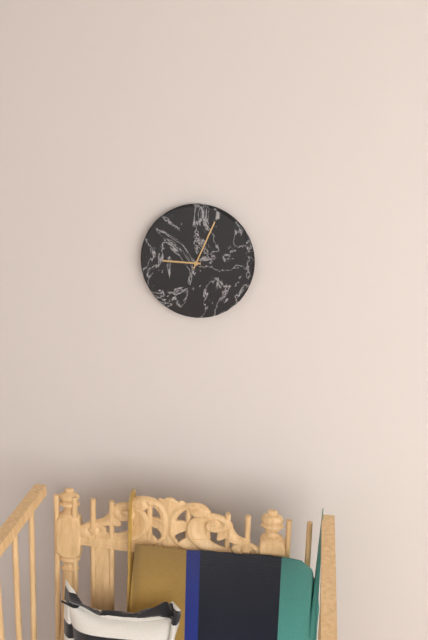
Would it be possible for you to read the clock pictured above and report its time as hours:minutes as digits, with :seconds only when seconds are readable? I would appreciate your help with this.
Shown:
9:04
